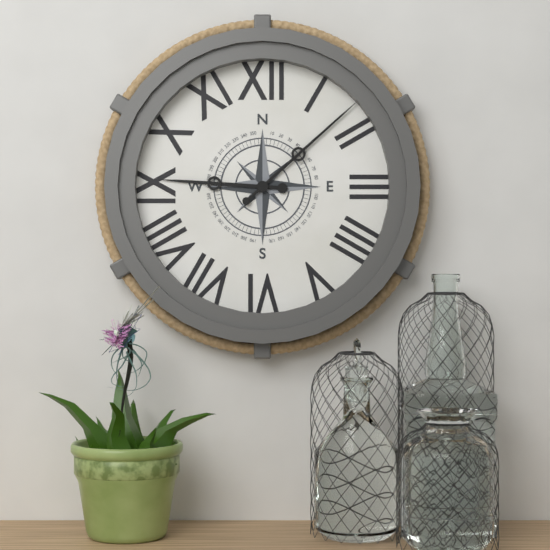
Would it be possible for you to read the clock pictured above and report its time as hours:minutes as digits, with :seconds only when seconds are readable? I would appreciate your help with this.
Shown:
9:08
